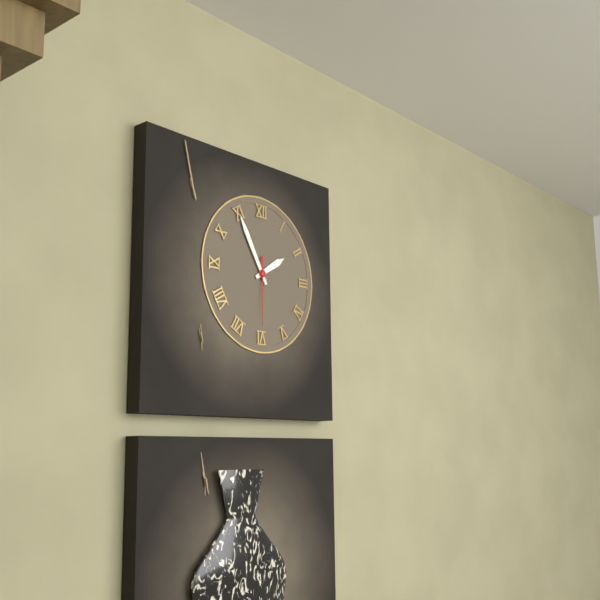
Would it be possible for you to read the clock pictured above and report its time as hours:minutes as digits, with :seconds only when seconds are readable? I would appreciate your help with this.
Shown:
1:55:30
